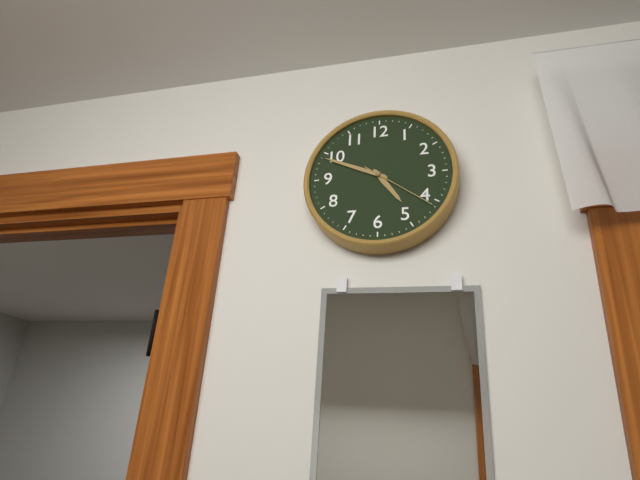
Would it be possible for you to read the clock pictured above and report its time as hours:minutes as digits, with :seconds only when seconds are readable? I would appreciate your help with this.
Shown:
4:49:21
